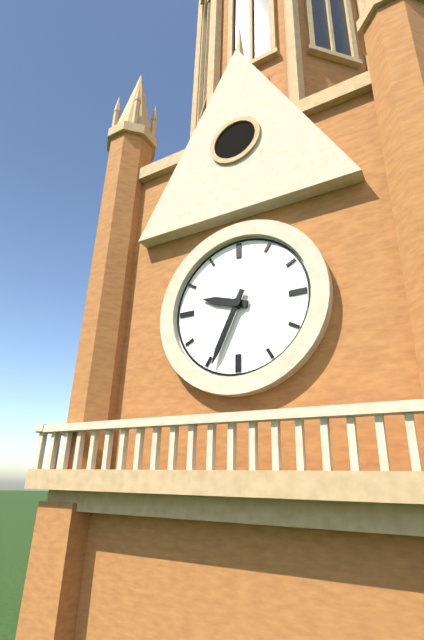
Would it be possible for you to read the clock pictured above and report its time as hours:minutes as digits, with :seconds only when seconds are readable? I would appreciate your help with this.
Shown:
9:34
